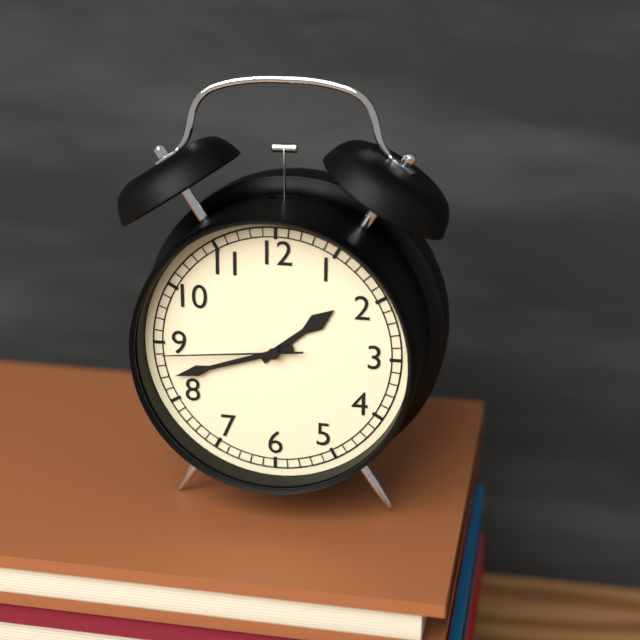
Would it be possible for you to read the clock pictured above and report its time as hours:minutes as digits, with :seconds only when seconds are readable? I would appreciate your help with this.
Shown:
1:42:44
